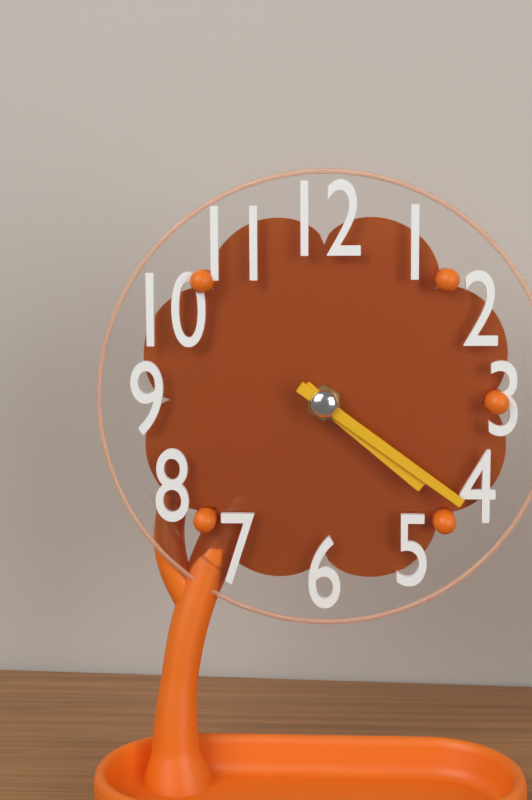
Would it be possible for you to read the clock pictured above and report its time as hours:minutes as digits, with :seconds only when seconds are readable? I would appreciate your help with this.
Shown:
4:21
